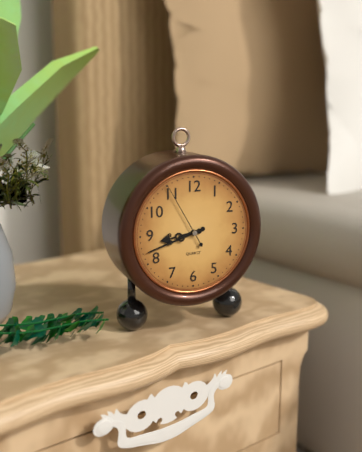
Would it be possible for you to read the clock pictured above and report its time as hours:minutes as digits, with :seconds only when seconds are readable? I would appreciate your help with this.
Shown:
8:42:55
